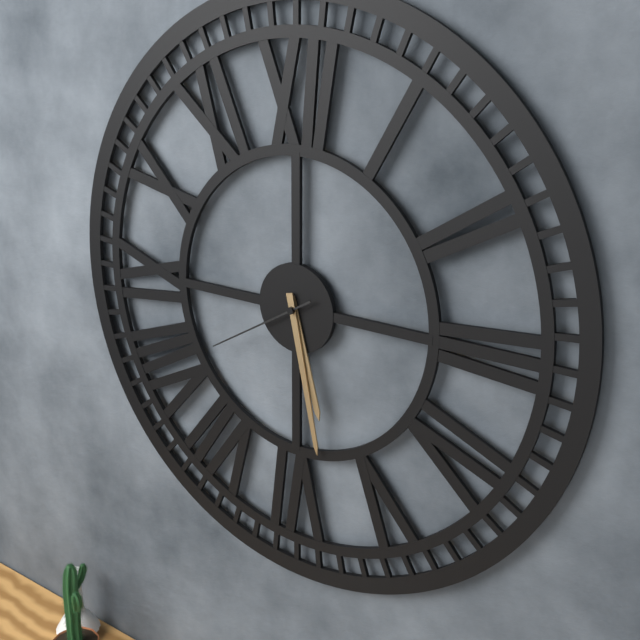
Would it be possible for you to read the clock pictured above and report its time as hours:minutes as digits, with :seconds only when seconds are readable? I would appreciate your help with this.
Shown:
5:28:40
